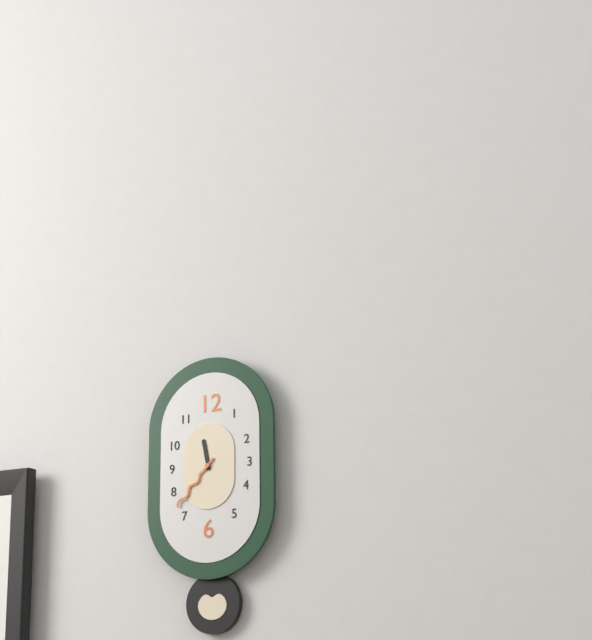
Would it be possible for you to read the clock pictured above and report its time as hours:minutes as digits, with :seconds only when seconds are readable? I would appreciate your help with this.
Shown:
11:37
